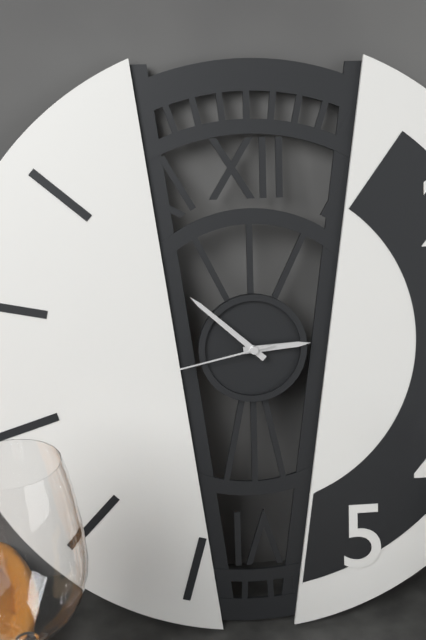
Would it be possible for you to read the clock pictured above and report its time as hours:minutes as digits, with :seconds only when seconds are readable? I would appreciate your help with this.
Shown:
2:52:43
